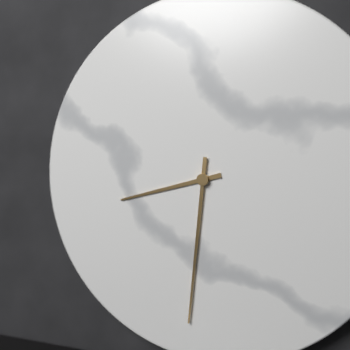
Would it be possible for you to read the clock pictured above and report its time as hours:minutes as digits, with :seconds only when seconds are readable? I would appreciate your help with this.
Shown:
8:31
